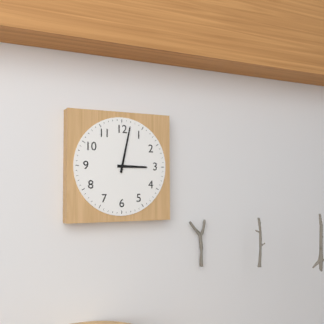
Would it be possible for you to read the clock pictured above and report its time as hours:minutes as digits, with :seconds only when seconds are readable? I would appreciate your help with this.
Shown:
3:02
